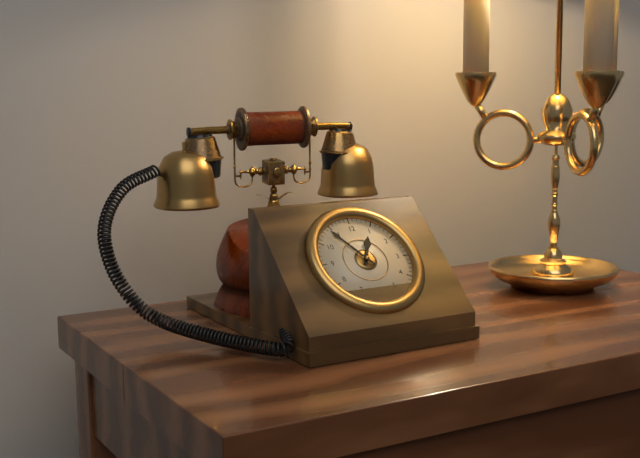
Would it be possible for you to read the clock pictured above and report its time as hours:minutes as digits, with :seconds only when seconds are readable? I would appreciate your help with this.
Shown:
12:54
